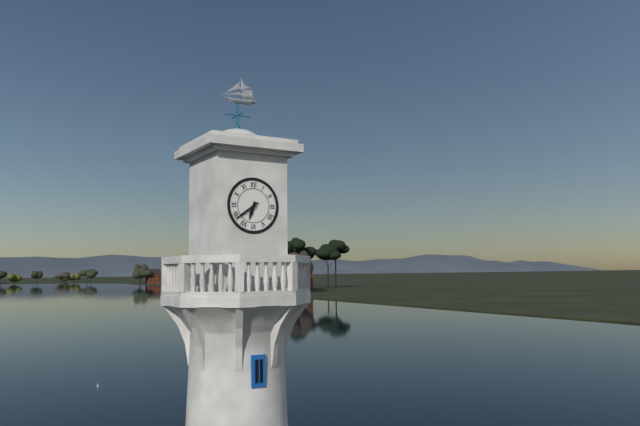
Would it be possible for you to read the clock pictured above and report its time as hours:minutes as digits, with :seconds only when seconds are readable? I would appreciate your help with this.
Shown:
6:39
